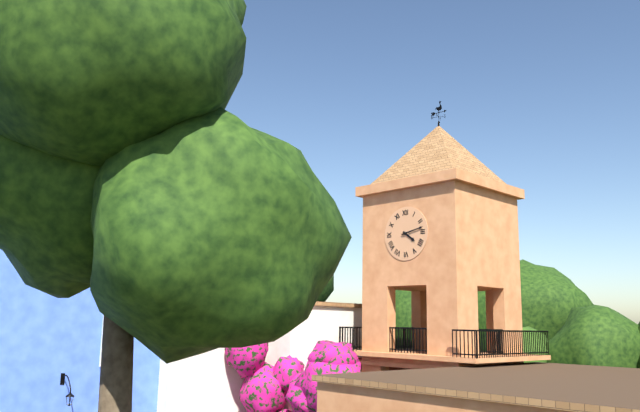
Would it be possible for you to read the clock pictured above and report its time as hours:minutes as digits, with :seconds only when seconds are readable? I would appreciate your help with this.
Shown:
4:13
